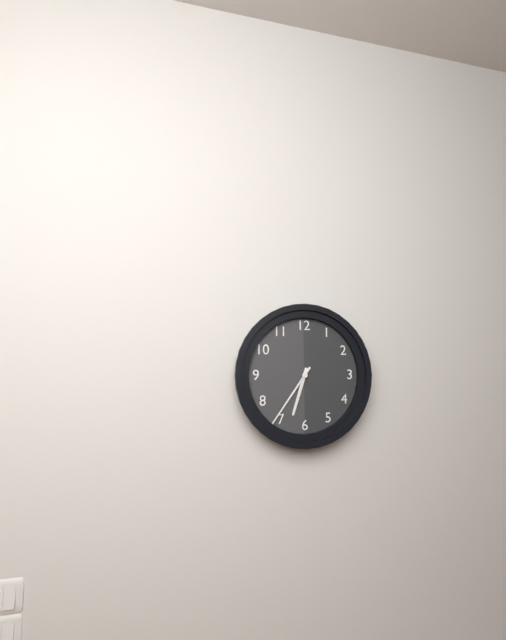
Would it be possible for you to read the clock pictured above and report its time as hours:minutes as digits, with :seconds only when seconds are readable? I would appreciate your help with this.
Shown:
6:36
